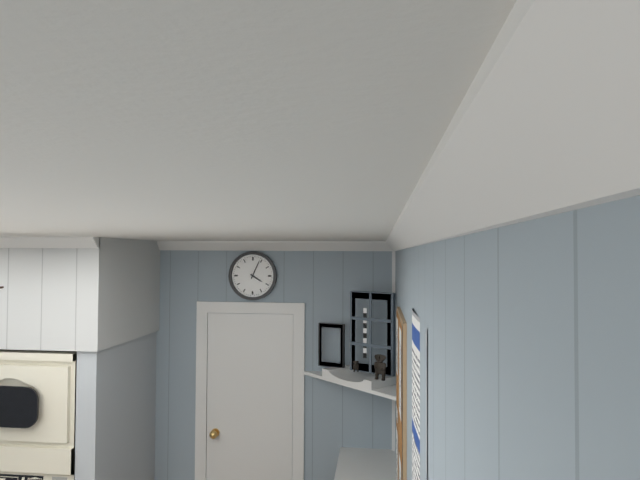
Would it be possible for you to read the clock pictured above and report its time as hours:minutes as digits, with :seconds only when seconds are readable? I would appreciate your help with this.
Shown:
4:04
